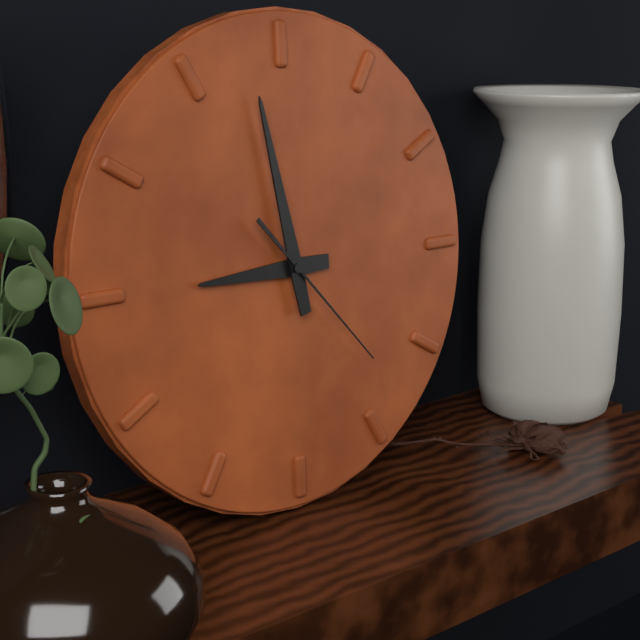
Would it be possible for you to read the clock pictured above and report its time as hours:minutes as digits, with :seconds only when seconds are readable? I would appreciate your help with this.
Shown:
8:58:23
